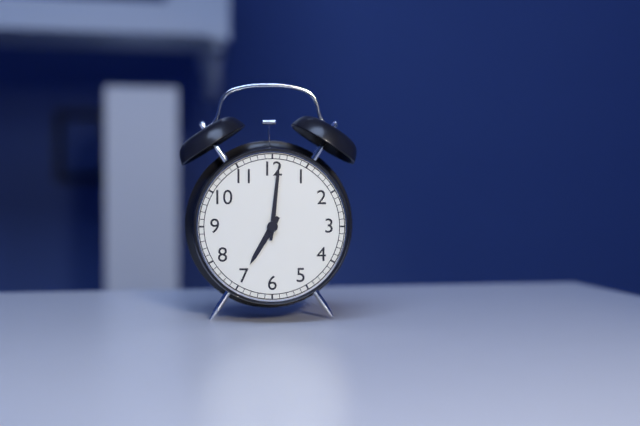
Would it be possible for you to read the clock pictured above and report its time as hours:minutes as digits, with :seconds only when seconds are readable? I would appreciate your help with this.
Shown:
7:01
